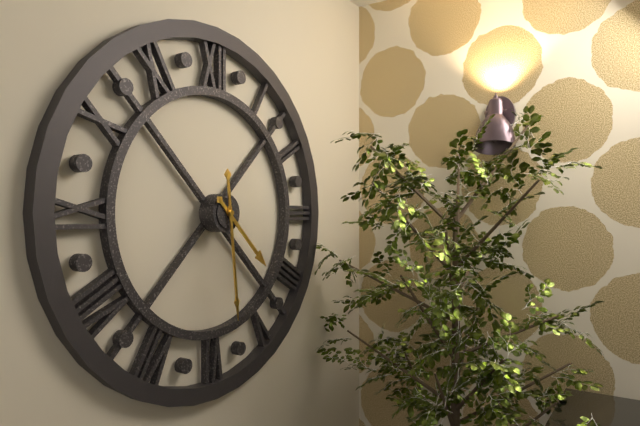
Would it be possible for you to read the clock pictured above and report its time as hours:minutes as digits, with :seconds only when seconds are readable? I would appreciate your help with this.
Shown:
4:29
